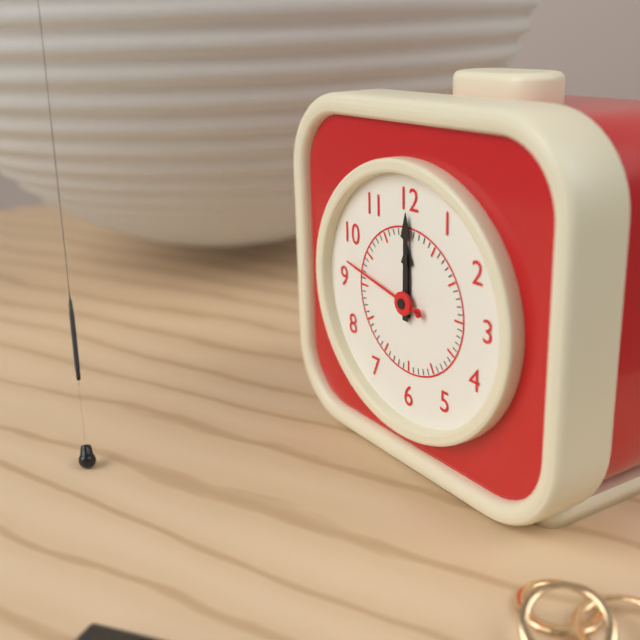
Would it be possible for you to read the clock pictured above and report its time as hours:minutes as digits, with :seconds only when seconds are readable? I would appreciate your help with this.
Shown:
12:00:47
